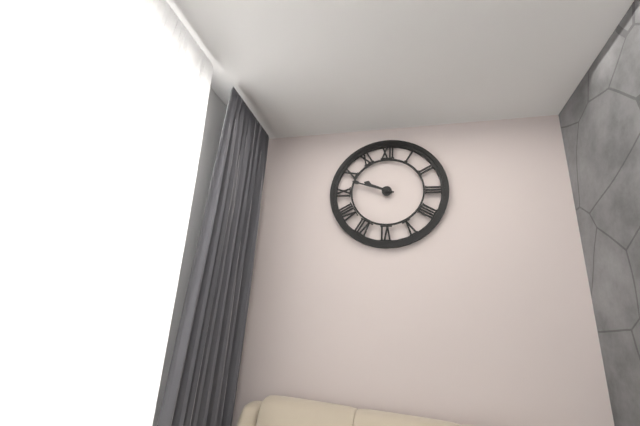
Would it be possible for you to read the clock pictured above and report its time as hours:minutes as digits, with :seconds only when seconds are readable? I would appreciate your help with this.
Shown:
9:48
